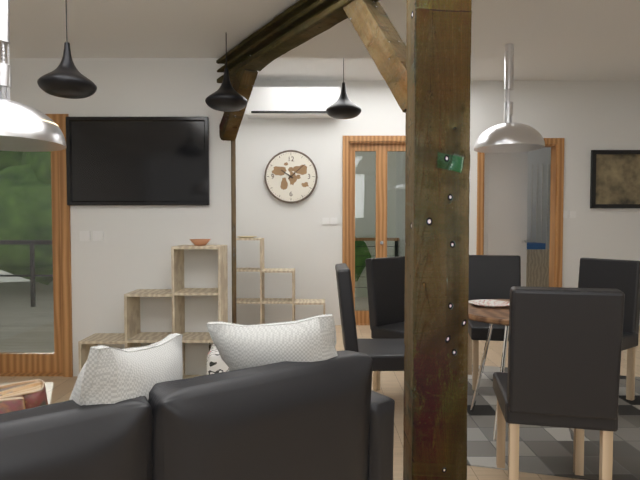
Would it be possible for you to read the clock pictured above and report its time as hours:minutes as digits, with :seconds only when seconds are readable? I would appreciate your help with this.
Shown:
10:08
